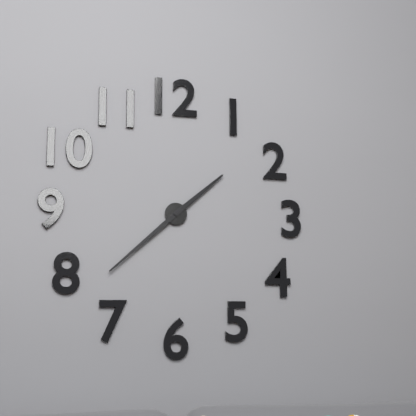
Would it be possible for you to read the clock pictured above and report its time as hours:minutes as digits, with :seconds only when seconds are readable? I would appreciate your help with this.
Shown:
1:38
